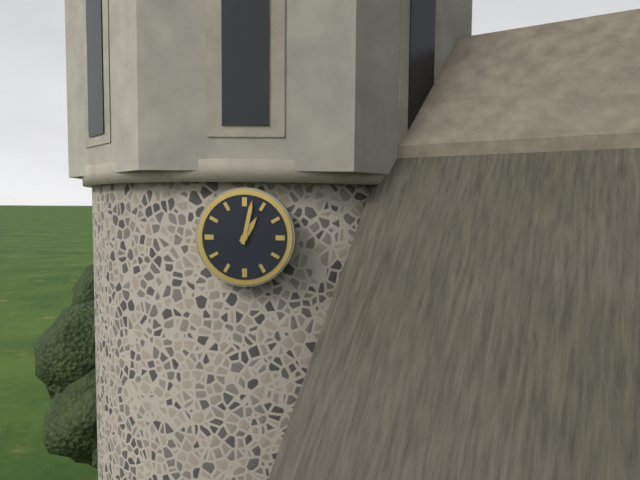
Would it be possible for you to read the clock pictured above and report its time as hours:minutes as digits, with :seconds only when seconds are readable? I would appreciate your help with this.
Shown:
1:02
